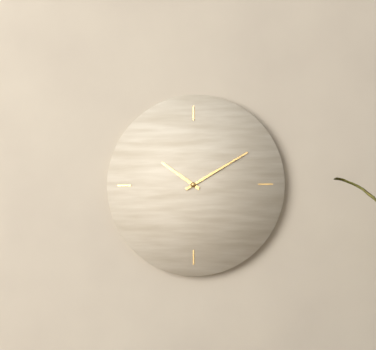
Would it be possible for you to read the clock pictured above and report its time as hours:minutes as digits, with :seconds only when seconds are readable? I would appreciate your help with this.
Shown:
10:10
